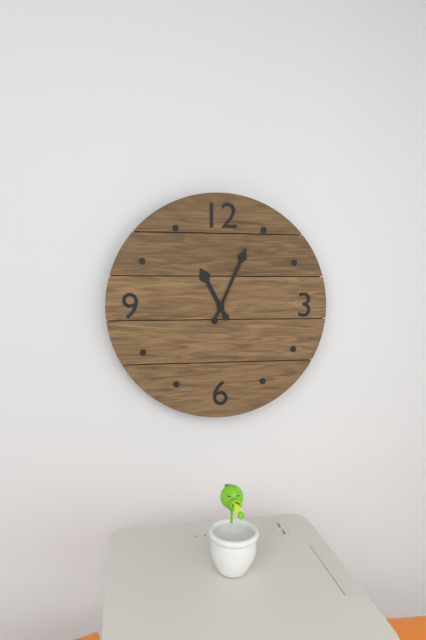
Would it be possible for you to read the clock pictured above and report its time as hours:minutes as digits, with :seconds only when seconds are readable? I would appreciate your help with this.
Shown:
11:04
